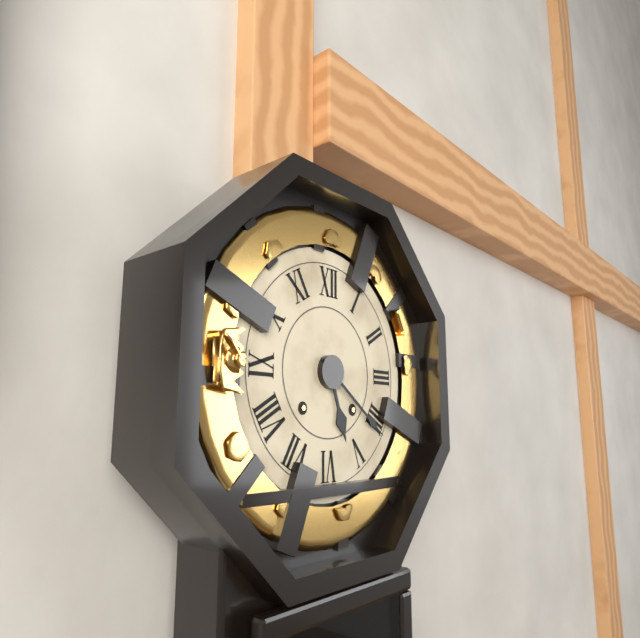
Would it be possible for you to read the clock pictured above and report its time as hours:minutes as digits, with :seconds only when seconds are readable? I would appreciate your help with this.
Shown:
5:21
